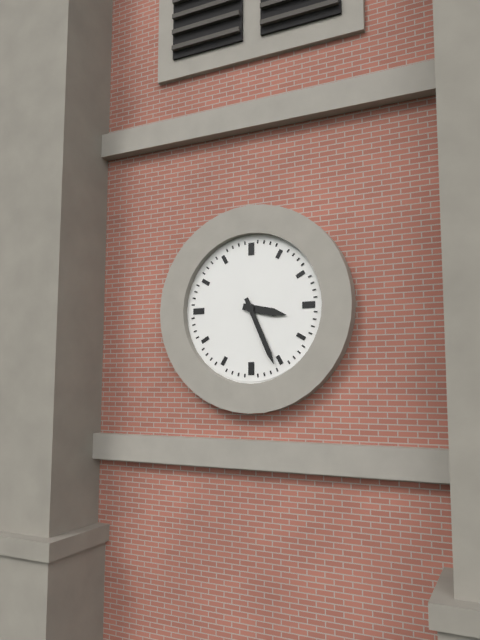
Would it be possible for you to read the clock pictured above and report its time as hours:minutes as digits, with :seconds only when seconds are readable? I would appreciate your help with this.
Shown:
3:26
